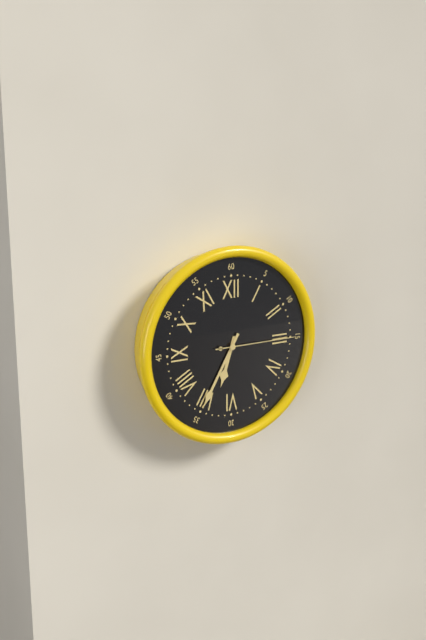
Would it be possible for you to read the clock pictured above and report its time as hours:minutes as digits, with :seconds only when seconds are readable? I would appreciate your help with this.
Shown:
6:35:15
